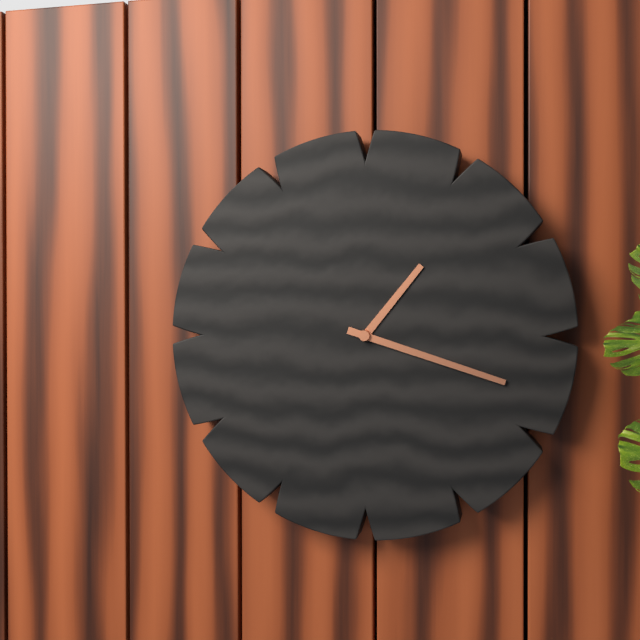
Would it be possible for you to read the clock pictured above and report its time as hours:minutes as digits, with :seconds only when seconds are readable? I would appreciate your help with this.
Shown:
1:18
